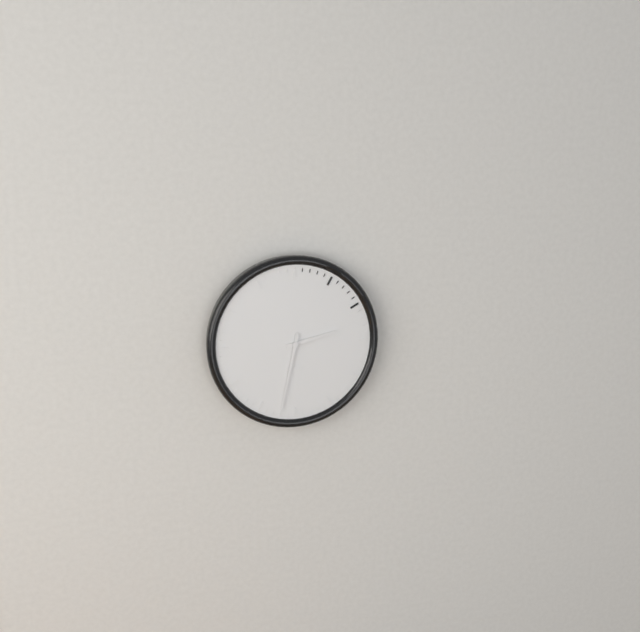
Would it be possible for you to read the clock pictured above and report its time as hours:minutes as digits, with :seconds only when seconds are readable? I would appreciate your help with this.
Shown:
2:32
